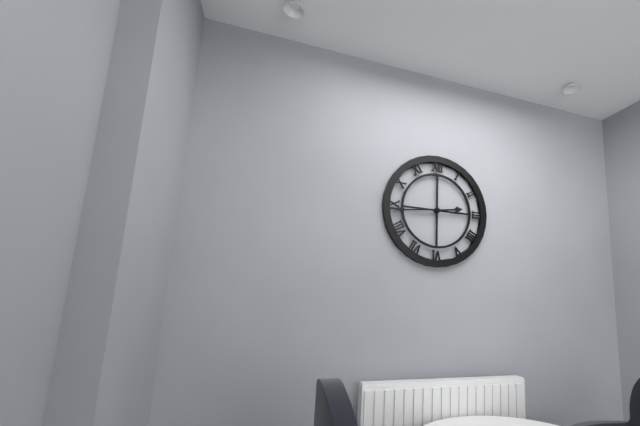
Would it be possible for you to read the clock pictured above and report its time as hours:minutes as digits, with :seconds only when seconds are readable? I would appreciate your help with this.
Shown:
2:44
